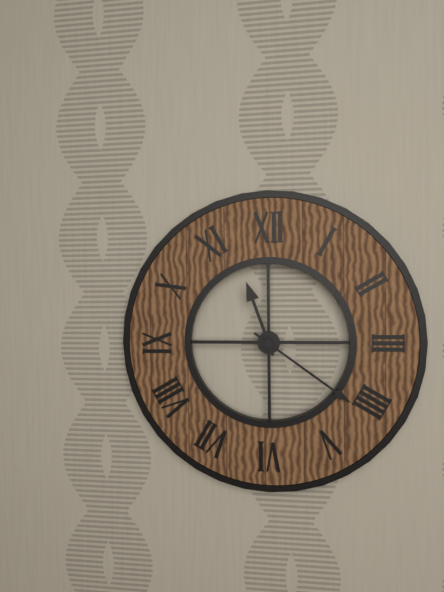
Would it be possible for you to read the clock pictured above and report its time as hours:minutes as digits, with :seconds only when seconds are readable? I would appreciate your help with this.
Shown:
11:21
